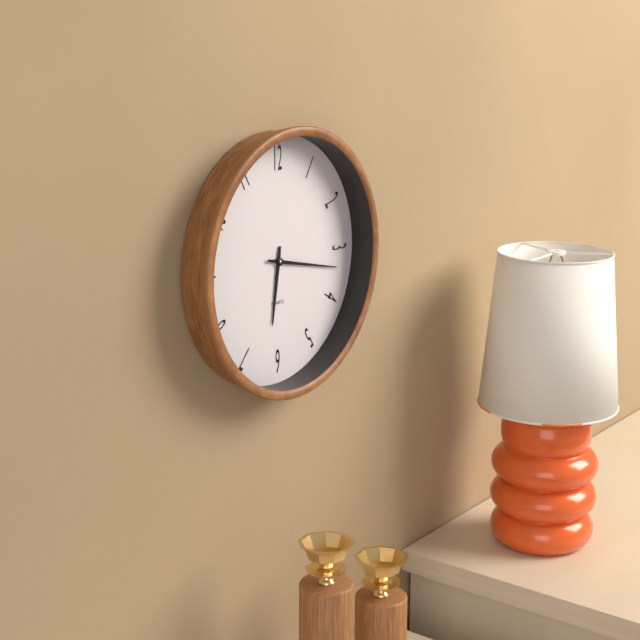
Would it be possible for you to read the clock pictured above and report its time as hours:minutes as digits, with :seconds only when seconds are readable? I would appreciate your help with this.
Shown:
6:17
